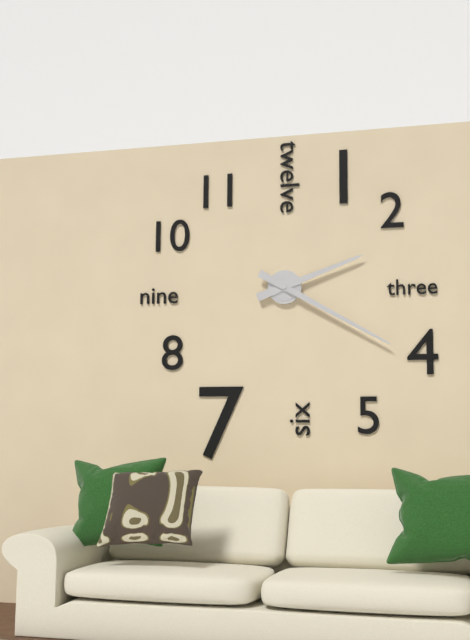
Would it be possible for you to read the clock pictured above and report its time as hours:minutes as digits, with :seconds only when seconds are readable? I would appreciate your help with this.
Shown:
2:20
